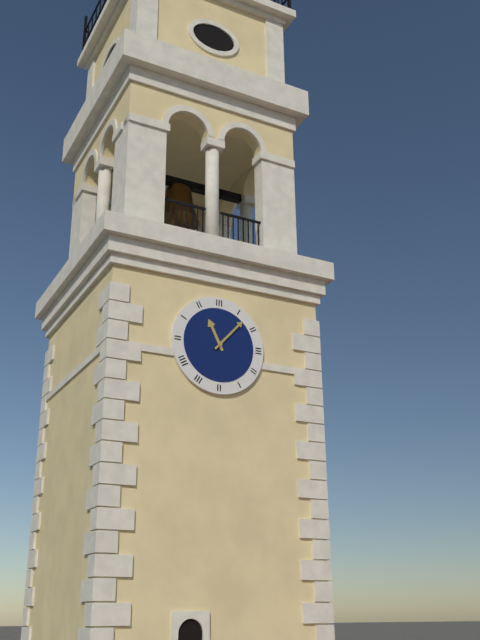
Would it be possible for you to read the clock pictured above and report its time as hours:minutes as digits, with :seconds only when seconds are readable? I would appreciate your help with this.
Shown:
11:07
